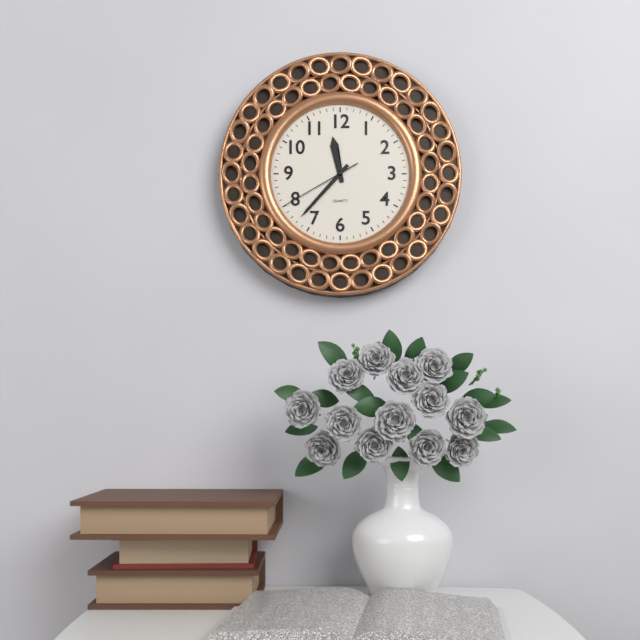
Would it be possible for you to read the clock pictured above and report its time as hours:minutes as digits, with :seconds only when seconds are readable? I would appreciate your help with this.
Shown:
11:37:40
